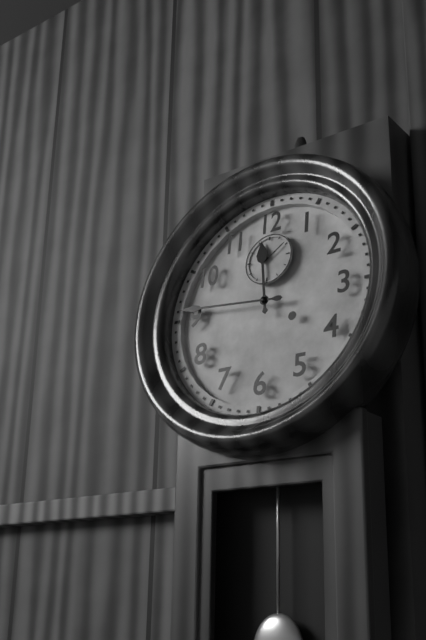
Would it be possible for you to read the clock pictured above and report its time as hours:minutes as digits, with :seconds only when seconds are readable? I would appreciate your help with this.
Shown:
11:46
